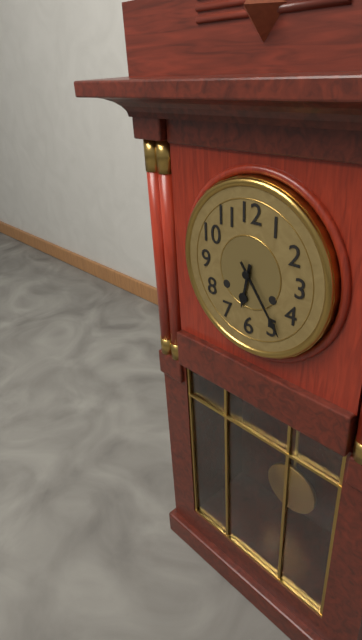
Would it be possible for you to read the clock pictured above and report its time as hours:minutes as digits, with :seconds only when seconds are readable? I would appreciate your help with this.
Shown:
6:24
